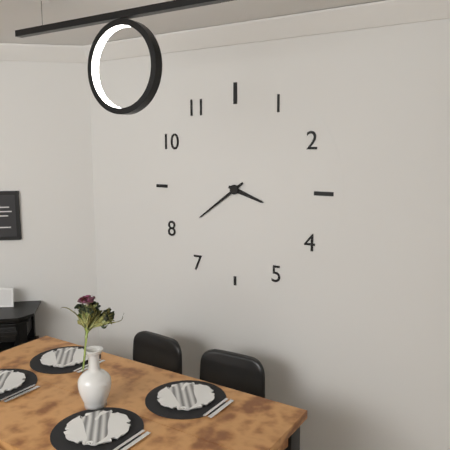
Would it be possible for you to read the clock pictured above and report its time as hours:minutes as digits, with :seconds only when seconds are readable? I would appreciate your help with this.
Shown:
3:39
